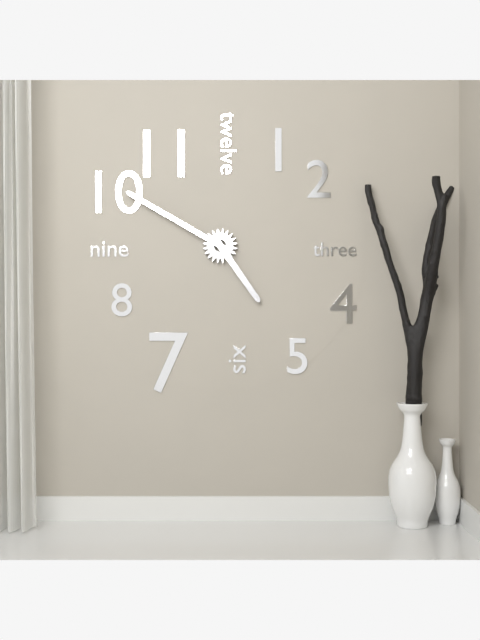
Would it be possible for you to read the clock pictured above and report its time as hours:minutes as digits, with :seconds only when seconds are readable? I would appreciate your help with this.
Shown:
4:50
